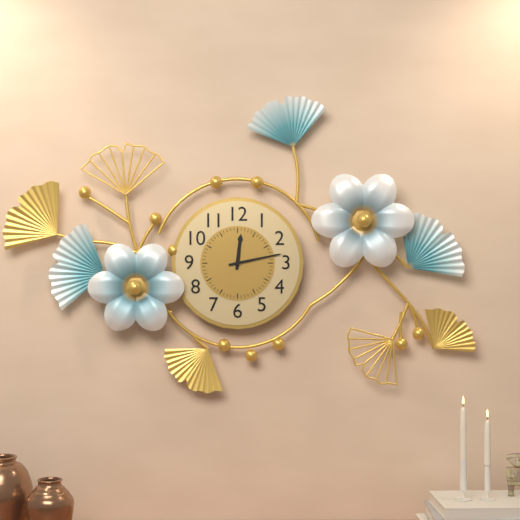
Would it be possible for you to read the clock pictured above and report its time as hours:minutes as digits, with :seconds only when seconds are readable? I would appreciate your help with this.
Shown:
12:13
